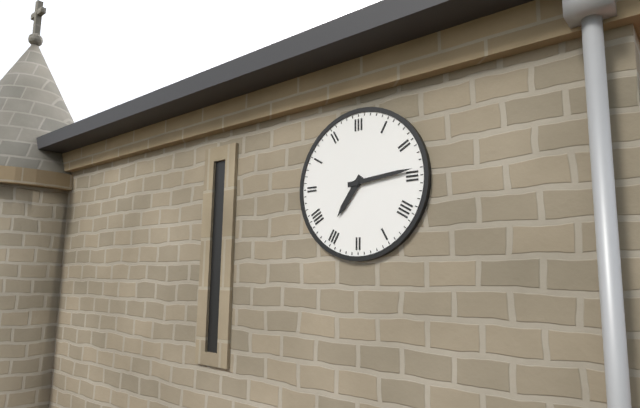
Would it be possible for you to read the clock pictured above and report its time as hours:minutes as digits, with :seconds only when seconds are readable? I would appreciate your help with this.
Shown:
7:14
